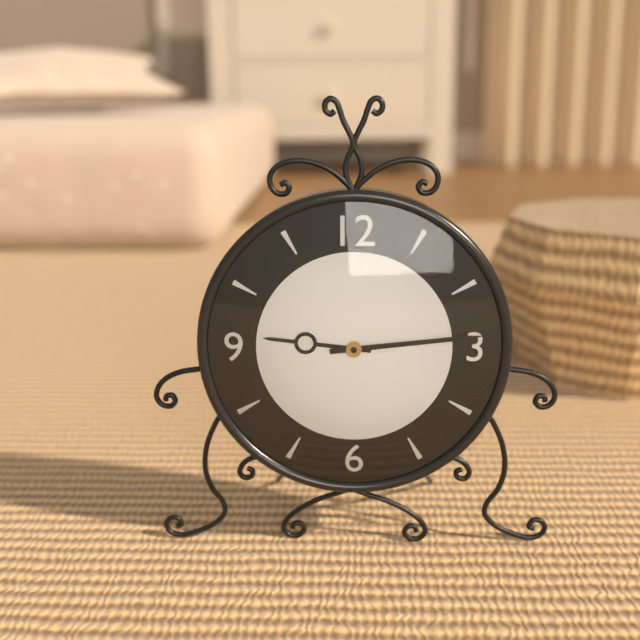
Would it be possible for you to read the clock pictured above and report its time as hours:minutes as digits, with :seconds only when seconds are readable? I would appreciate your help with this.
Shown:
9:14
